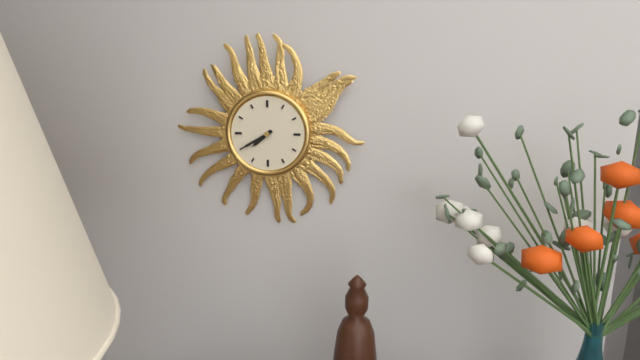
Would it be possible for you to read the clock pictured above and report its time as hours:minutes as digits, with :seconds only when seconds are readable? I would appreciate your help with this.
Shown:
7:40
